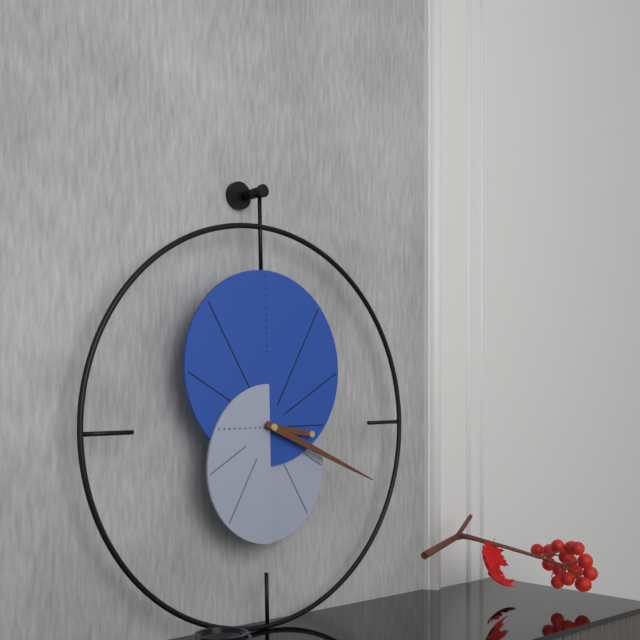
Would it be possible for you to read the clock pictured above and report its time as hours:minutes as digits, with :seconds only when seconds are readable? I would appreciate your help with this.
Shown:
3:19
